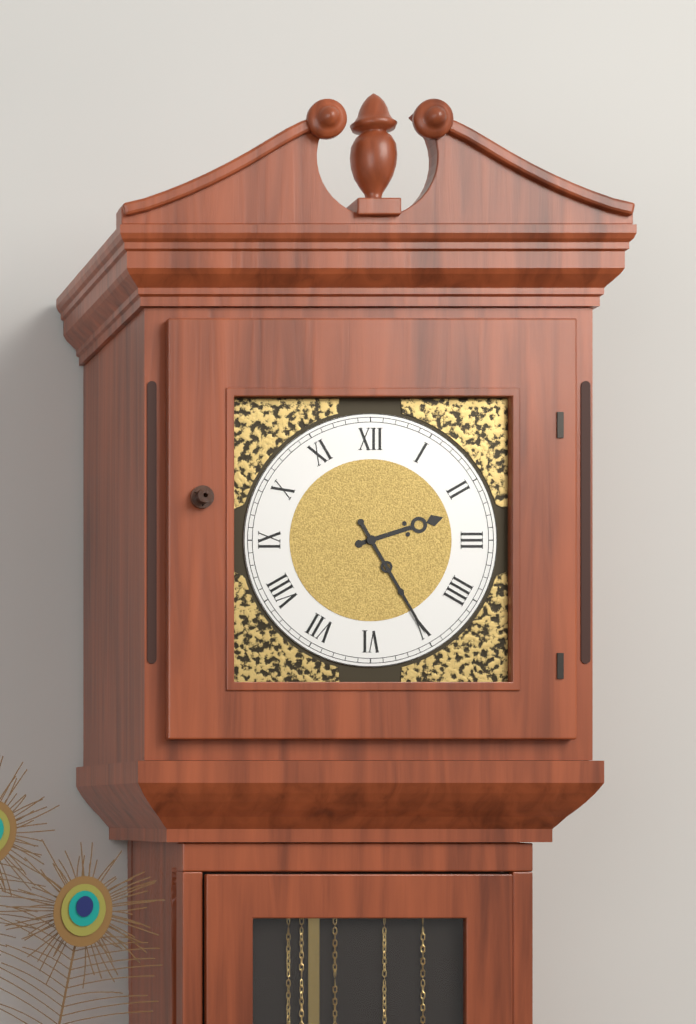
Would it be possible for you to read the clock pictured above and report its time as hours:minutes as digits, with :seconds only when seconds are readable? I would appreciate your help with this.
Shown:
2:25
